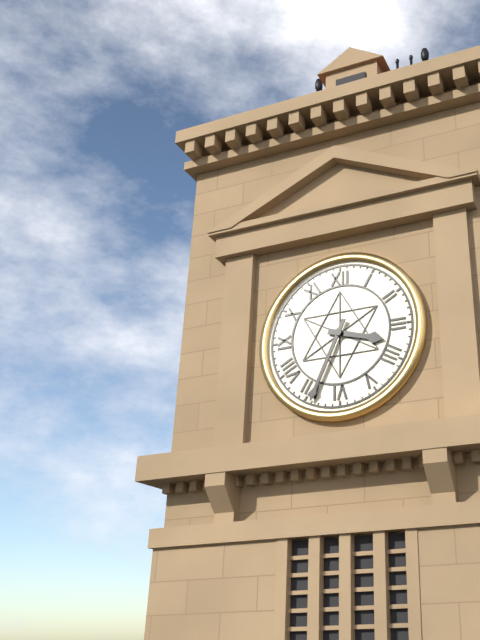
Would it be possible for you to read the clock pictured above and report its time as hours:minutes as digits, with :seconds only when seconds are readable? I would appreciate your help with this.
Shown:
3:34
